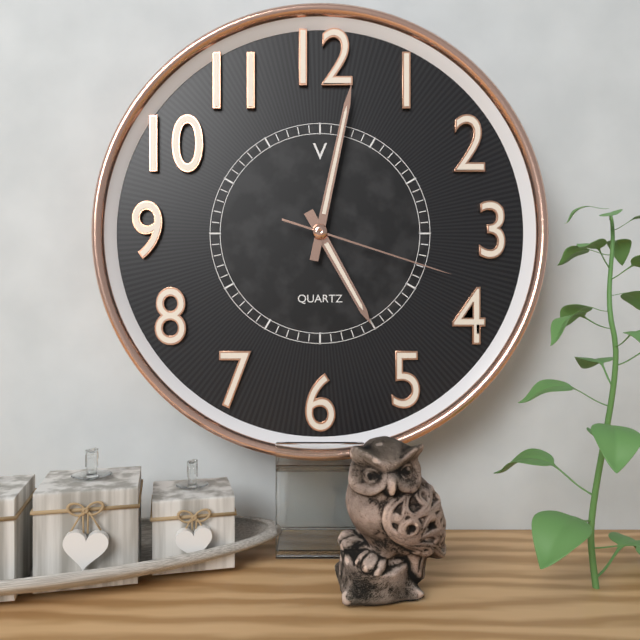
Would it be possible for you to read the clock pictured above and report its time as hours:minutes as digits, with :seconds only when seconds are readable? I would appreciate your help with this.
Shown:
5:02:18
